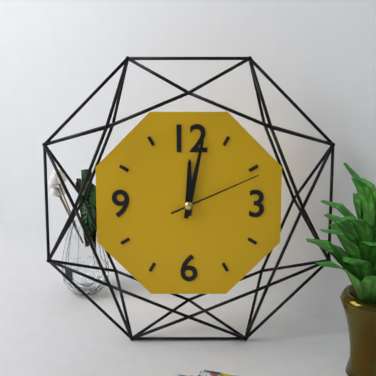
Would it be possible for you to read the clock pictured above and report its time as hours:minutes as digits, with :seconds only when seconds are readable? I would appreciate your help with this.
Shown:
12:02:11
